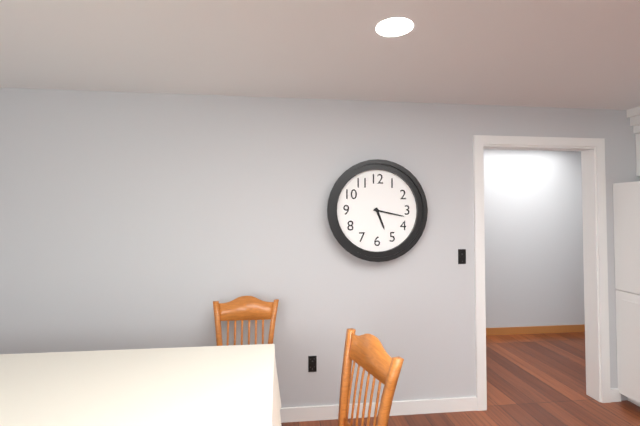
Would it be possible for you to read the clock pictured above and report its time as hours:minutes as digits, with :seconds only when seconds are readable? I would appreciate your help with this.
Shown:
5:17
